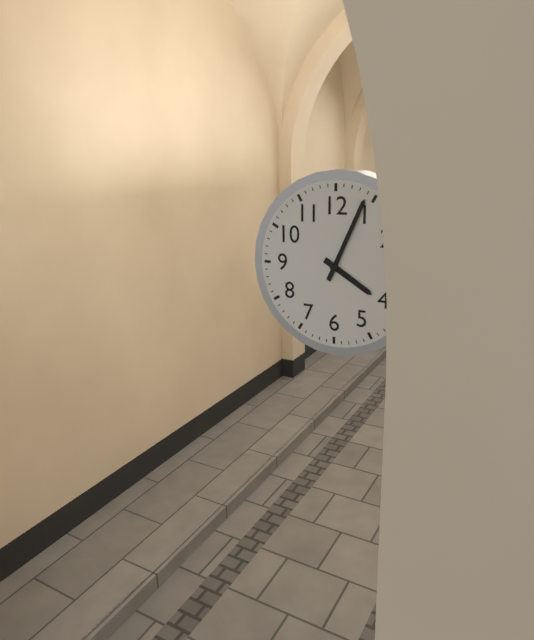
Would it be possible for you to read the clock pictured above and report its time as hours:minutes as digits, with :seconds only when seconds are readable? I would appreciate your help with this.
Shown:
4:04
